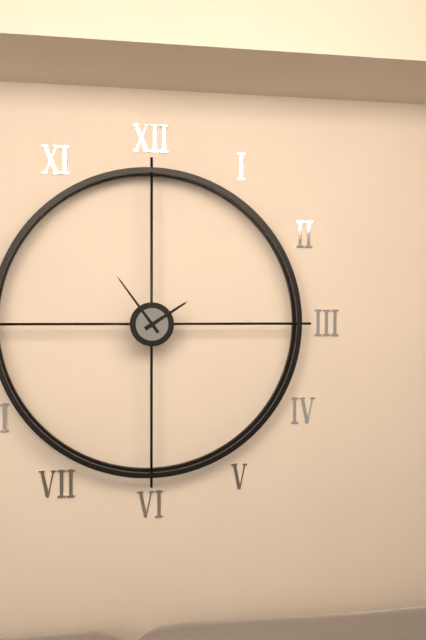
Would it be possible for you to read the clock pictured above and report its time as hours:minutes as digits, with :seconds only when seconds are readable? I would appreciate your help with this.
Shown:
1:54
